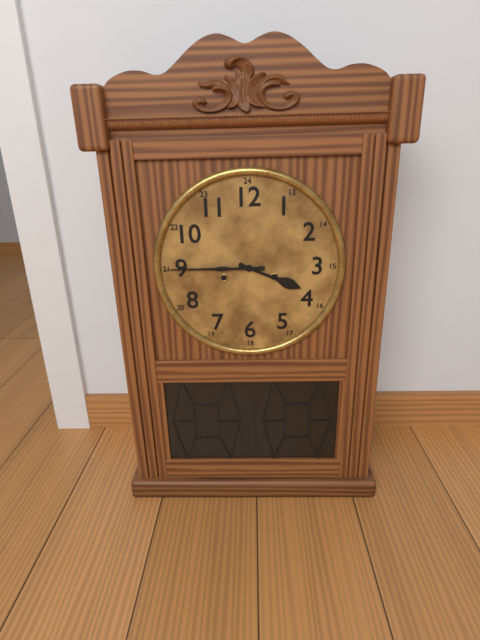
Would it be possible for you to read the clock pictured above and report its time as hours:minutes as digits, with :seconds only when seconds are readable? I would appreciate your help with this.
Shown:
3:45
